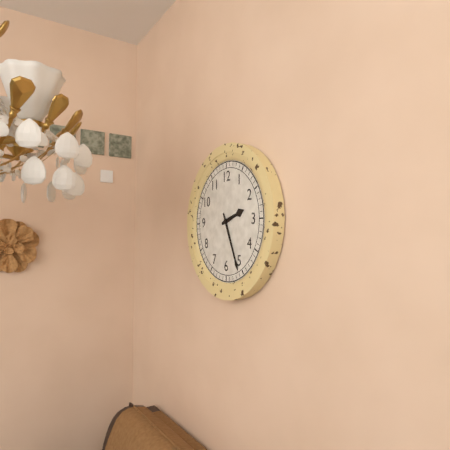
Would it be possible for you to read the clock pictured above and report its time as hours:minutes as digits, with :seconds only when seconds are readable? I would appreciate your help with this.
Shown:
2:26
